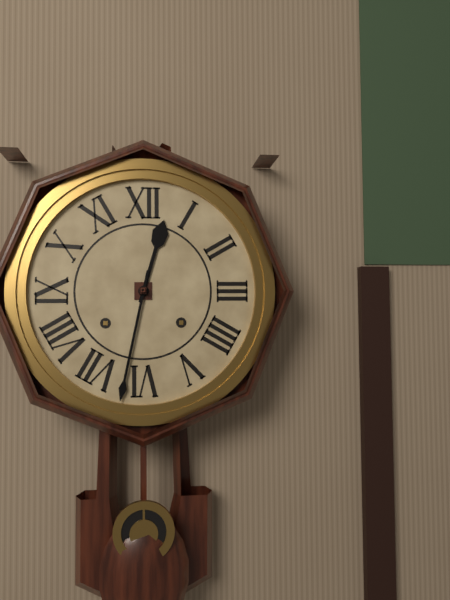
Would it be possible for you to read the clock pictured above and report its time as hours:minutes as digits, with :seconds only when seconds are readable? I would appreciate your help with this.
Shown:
12:32
